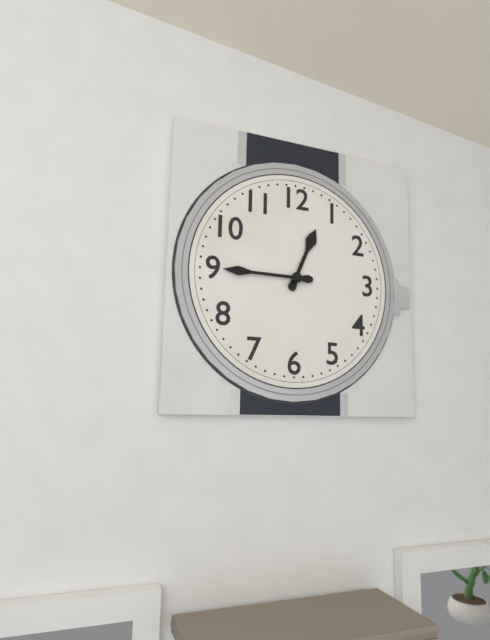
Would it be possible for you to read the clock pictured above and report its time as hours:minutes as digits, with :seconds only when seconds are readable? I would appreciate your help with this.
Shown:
12:45
